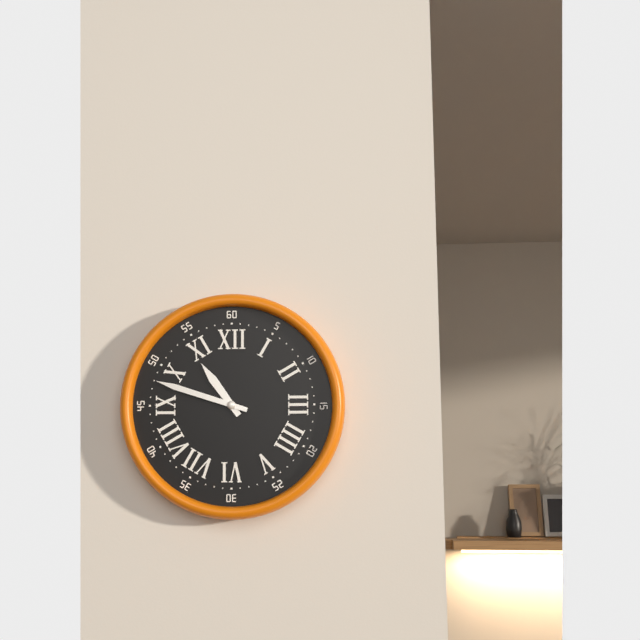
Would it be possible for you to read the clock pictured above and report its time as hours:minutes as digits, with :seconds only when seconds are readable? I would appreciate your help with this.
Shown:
10:48
